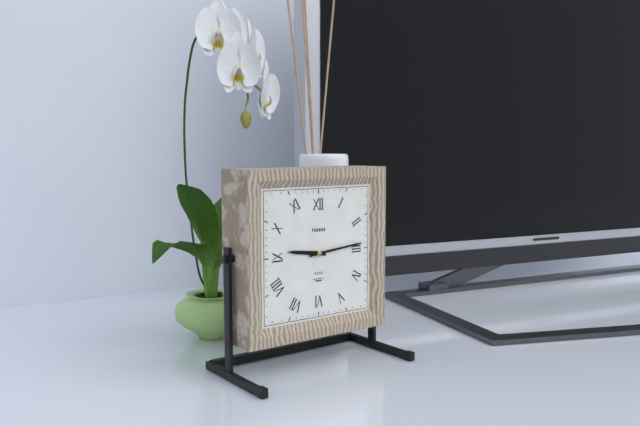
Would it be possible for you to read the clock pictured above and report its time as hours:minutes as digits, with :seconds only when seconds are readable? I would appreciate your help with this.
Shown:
9:14
